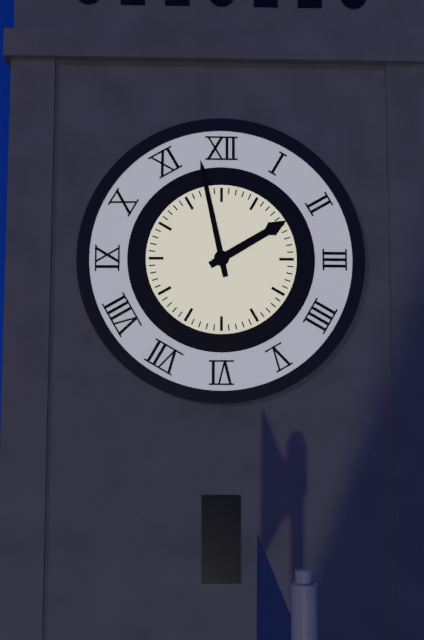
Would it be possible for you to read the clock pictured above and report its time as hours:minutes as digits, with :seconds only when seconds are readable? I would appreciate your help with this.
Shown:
1:58
